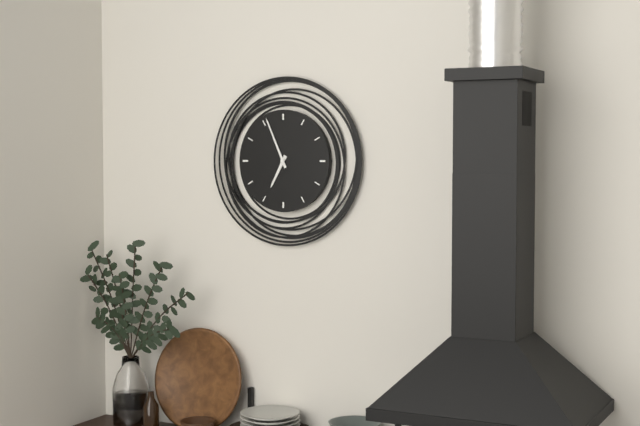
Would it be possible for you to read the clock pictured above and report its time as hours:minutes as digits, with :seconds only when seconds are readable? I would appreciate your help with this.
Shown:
6:56
